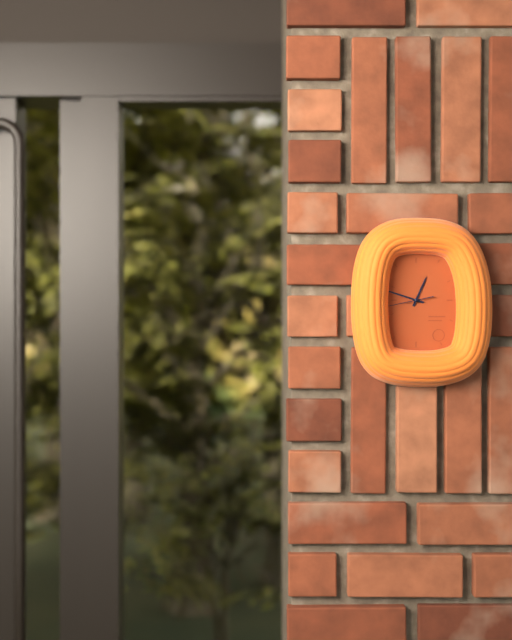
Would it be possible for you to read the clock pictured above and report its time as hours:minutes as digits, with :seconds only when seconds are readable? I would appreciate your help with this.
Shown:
12:48
